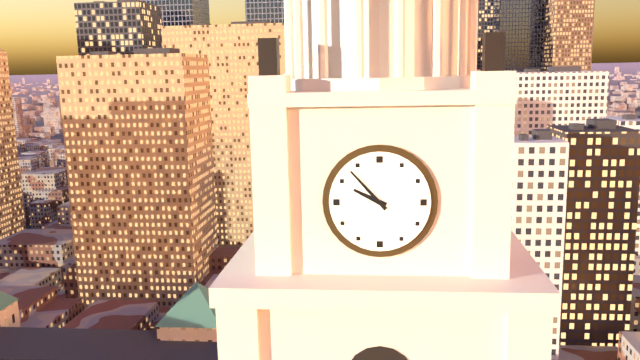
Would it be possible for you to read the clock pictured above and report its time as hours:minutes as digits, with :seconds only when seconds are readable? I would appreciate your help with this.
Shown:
9:53
